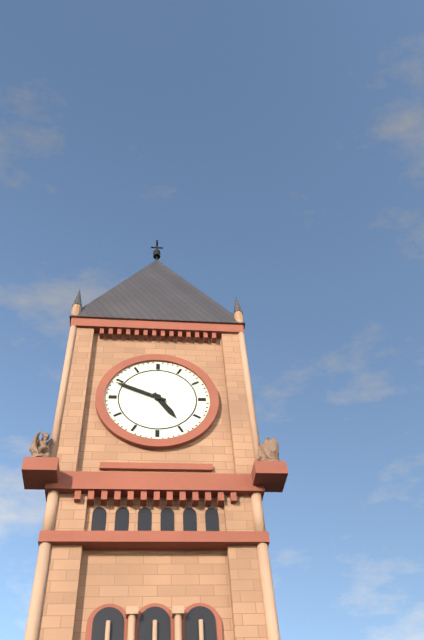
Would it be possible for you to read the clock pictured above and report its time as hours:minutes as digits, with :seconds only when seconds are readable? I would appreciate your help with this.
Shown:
4:49
